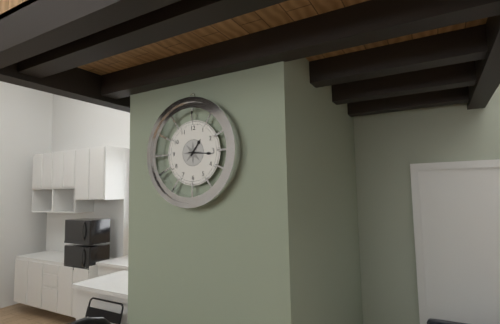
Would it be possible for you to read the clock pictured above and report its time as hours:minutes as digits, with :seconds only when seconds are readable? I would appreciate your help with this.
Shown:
1:16
